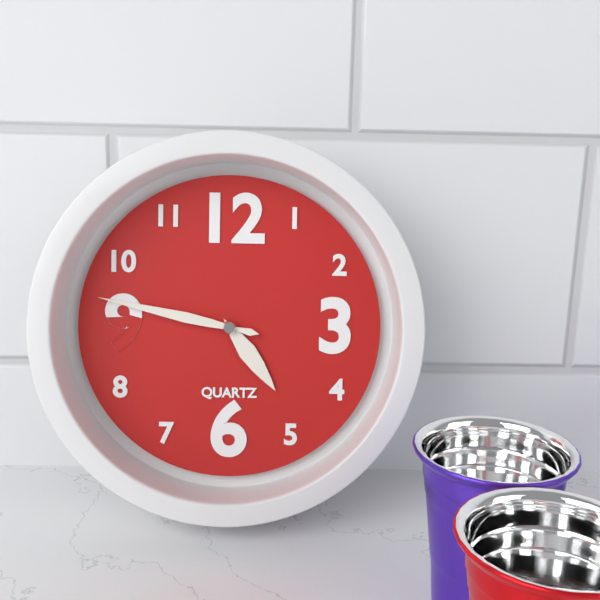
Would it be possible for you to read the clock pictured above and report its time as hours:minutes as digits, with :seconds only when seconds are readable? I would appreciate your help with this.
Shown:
4:47
